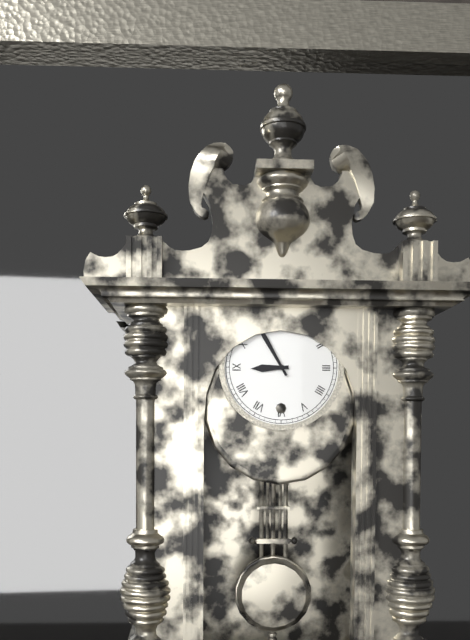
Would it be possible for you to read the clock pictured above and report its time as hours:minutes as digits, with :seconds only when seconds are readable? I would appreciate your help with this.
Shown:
8:55
